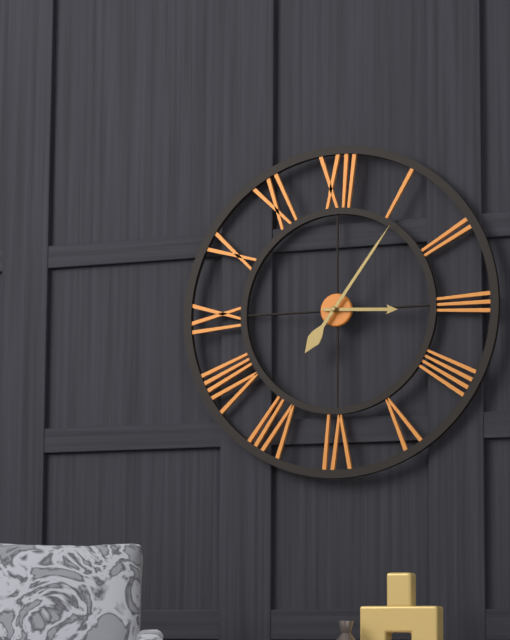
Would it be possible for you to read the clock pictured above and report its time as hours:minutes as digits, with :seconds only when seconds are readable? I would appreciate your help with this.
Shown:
3:06
